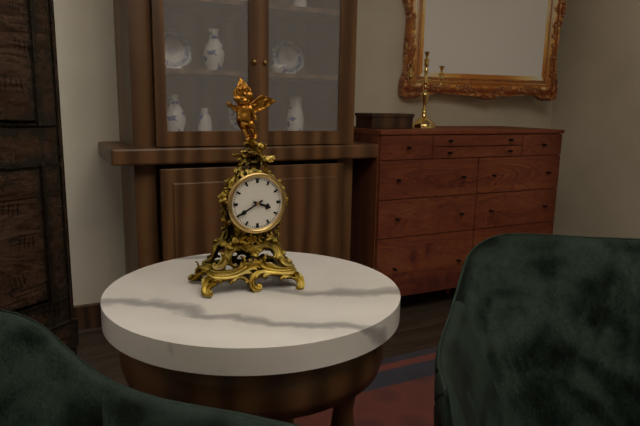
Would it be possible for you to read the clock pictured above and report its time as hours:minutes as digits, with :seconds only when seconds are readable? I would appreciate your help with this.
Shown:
3:40
